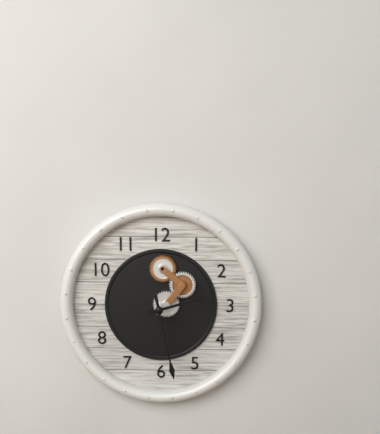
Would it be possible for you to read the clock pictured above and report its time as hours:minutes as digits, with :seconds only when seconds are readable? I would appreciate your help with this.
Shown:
2:28
